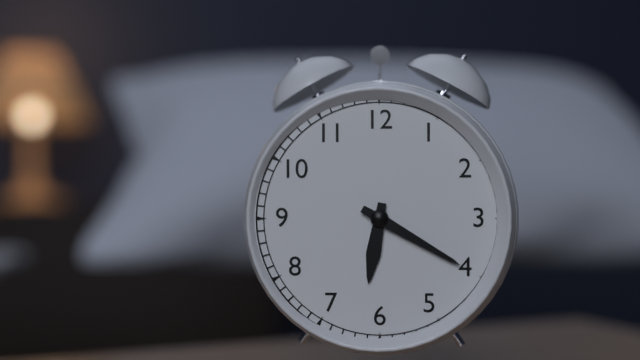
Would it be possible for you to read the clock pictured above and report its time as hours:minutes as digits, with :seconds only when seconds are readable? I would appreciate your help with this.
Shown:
6:20
